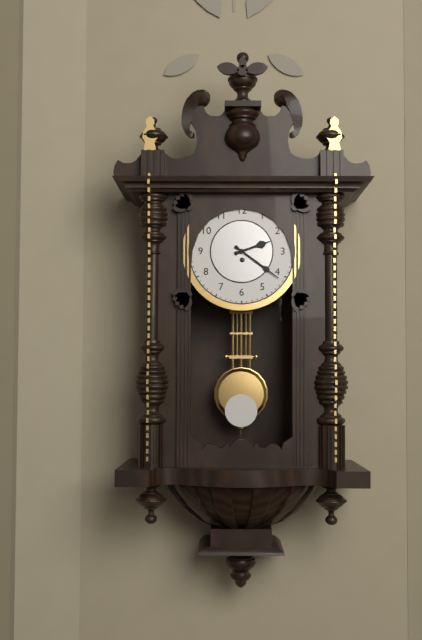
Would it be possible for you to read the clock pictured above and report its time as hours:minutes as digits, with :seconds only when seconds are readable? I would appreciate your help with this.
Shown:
2:21
